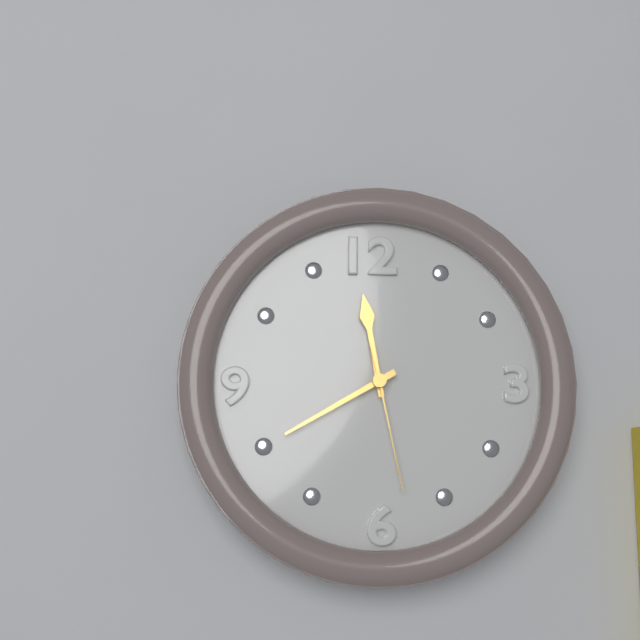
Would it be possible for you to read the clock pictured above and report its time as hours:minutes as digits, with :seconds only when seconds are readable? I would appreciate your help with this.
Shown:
11:40:28
